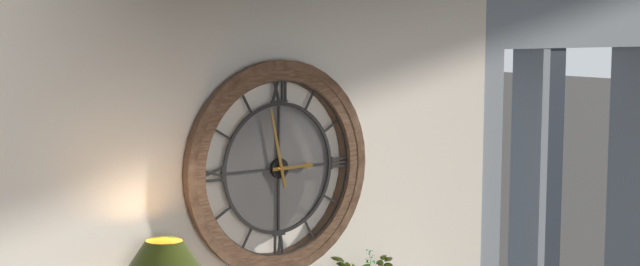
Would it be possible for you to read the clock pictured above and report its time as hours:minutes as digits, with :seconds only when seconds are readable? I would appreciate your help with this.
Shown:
2:58
